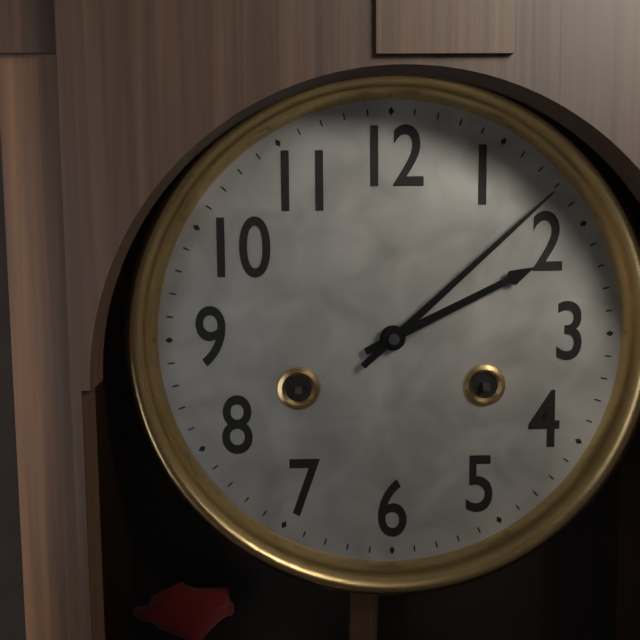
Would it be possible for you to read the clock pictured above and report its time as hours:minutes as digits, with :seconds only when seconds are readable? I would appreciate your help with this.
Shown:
2:08
